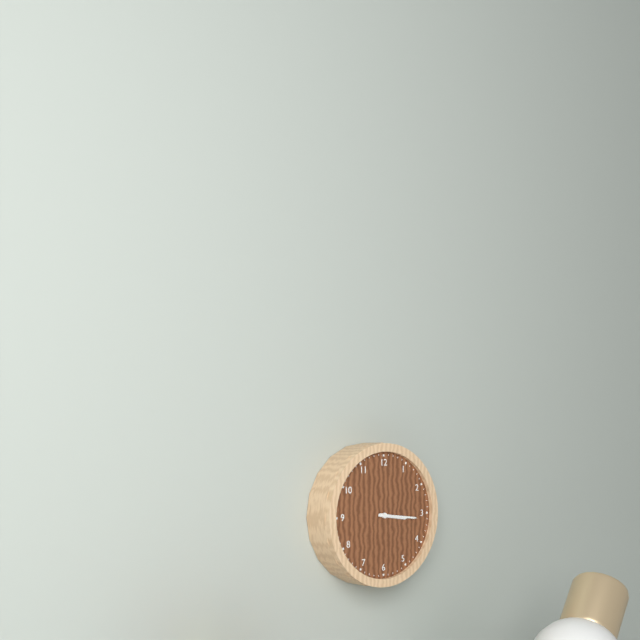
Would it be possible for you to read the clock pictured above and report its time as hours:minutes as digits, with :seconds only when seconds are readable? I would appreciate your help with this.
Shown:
3:16
